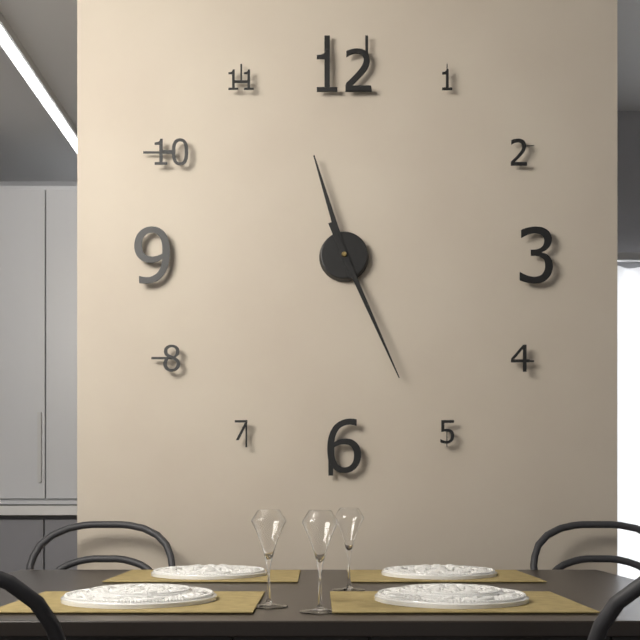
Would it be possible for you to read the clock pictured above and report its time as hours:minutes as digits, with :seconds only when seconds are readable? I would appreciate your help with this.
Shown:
11:26
